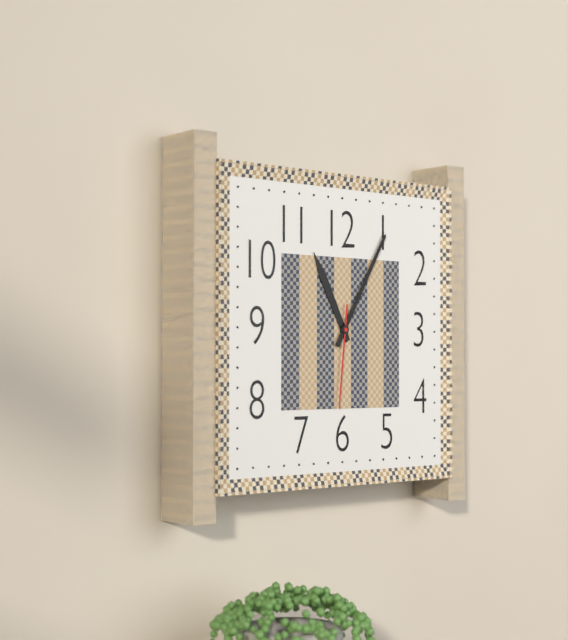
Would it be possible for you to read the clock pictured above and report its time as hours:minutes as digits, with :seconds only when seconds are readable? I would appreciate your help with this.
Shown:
11:05:31
